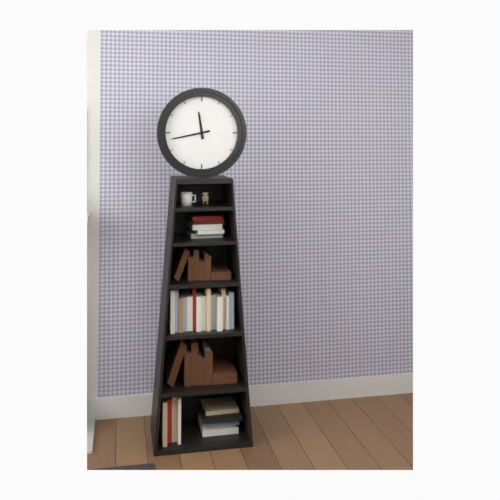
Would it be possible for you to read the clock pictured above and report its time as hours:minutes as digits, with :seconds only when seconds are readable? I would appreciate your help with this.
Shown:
11:43
